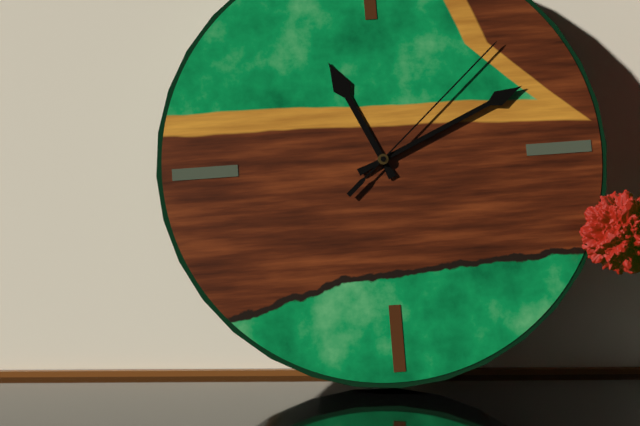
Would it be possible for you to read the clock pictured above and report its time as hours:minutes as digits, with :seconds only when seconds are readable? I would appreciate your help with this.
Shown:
11:11:08
